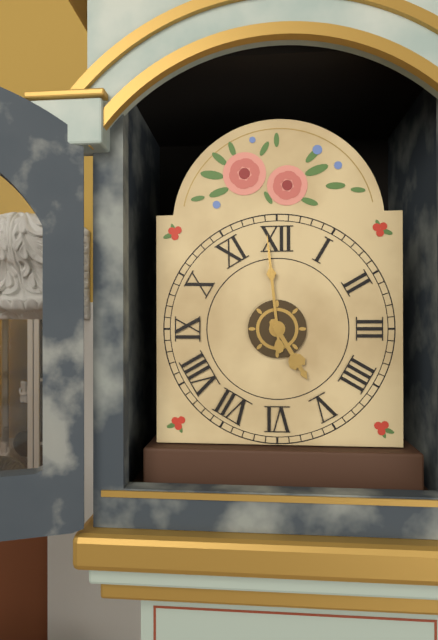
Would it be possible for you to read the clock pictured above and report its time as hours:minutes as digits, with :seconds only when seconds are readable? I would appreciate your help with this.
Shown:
4:59
